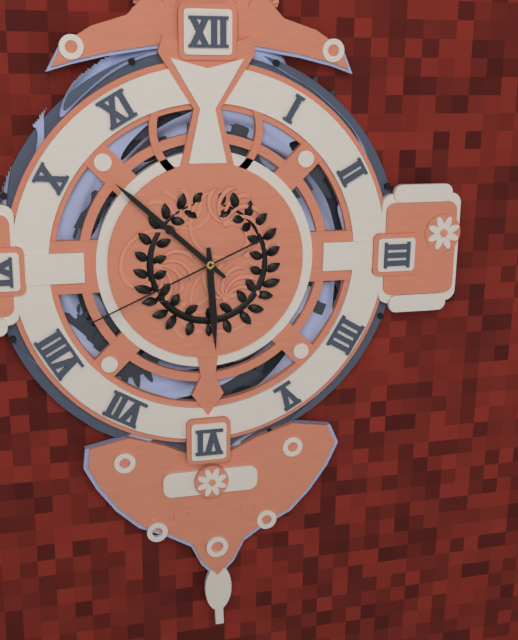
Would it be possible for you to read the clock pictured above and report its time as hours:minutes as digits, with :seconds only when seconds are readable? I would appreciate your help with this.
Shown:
5:52:41
